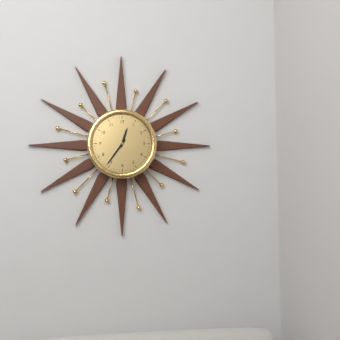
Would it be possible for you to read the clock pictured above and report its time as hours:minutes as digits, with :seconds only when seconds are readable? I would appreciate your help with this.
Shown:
12:36
